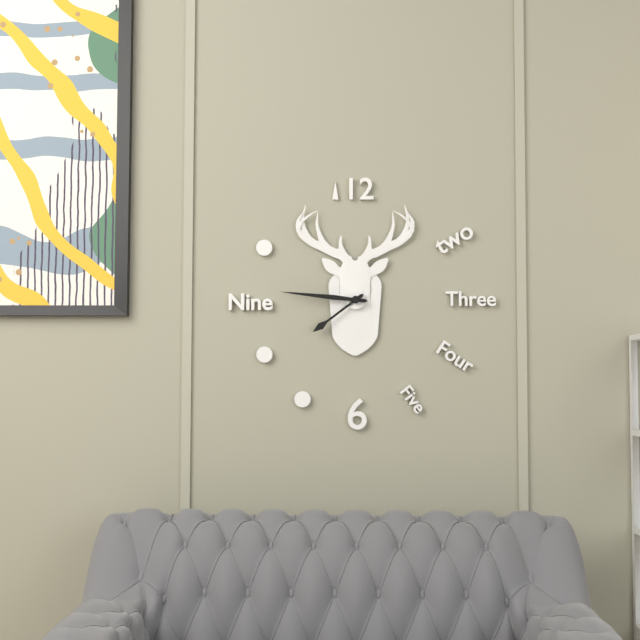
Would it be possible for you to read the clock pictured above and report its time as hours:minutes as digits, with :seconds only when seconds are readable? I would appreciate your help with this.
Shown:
7:46
